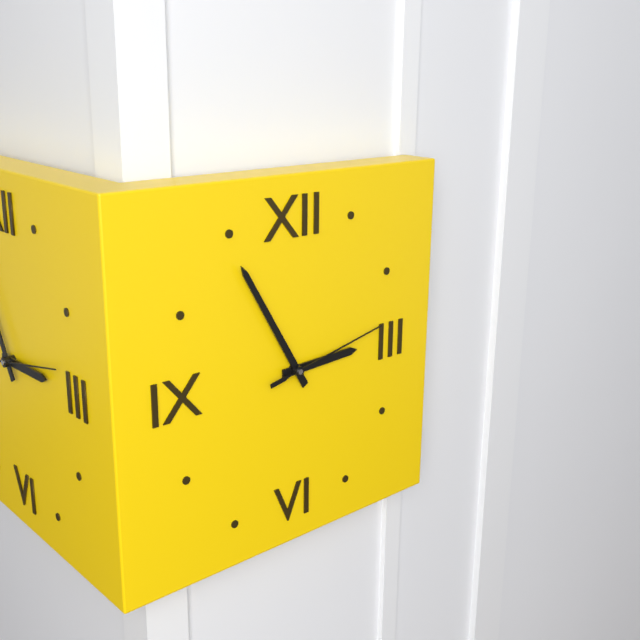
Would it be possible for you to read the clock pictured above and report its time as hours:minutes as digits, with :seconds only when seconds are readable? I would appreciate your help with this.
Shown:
2:55:13
